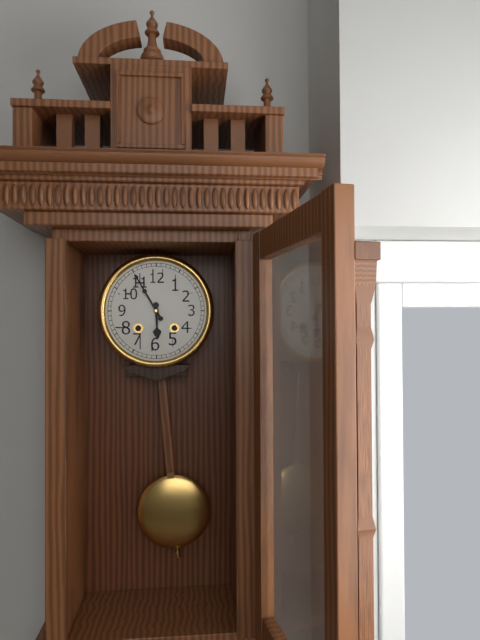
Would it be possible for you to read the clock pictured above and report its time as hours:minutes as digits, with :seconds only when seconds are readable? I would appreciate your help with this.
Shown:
5:55
